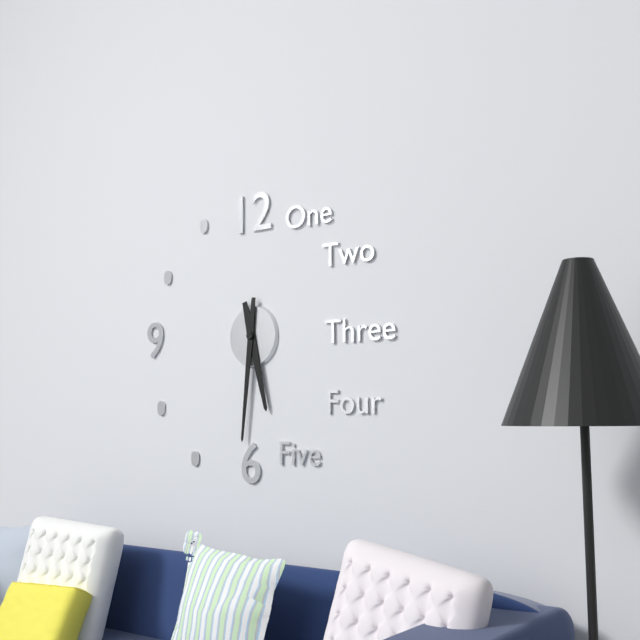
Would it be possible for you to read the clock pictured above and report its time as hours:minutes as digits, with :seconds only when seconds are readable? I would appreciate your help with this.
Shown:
5:31
